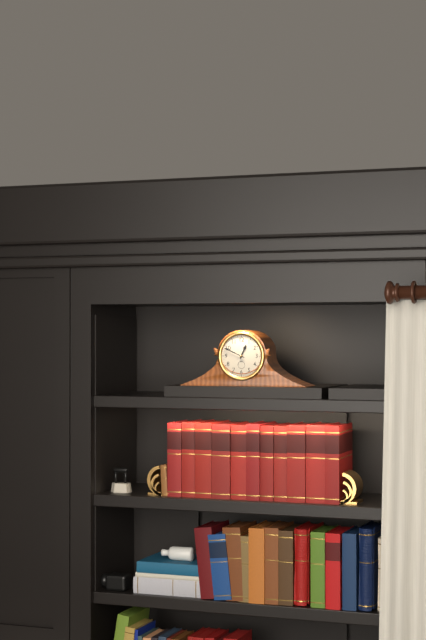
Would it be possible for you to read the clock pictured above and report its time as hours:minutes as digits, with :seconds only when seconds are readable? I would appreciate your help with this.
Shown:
12:49
